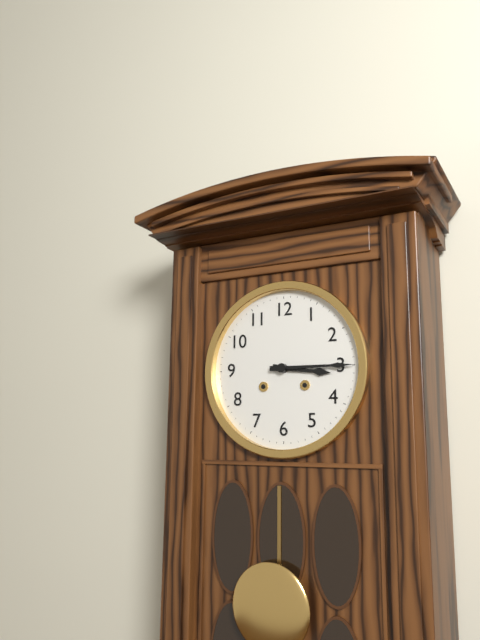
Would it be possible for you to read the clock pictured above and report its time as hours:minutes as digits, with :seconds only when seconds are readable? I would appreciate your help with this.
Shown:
3:15
